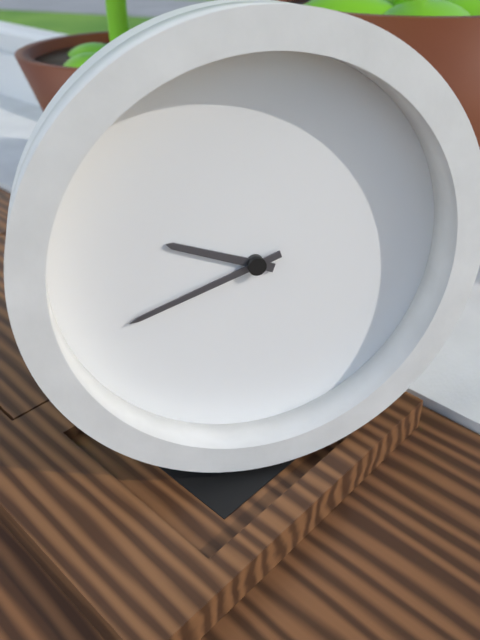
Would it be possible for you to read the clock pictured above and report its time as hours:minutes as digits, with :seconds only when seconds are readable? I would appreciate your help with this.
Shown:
9:42
